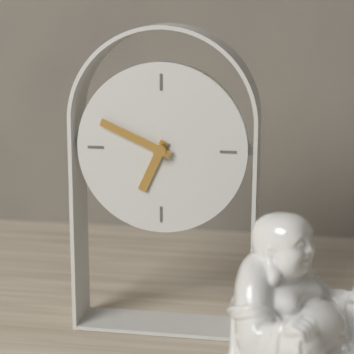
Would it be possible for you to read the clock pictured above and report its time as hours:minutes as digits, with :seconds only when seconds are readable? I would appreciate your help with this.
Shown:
6:49
